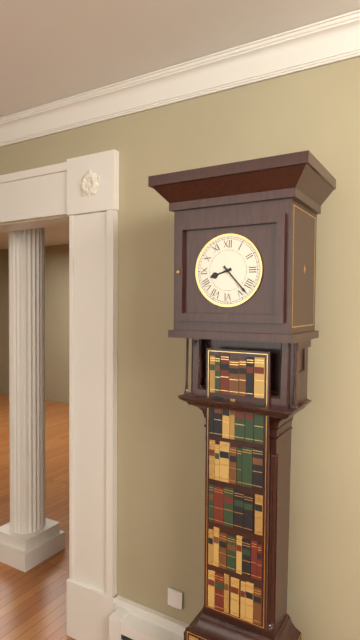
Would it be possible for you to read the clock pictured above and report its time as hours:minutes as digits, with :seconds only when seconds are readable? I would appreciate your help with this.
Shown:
8:23
